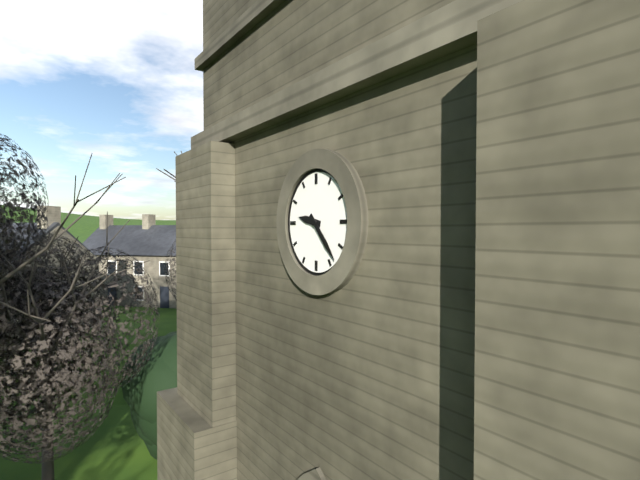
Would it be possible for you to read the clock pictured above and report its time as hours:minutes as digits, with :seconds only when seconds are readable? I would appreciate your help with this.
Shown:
9:23
